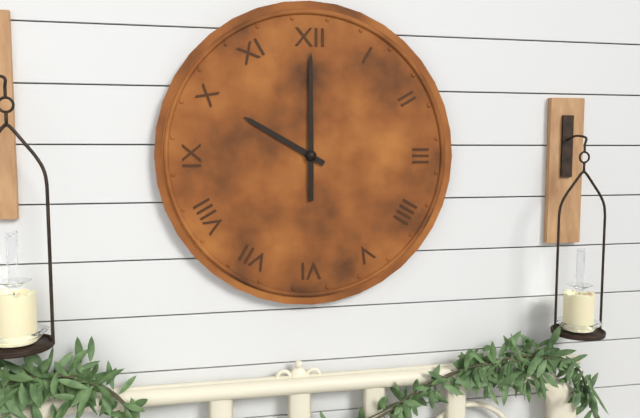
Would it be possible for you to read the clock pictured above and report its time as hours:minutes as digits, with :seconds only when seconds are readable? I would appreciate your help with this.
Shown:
10:00
